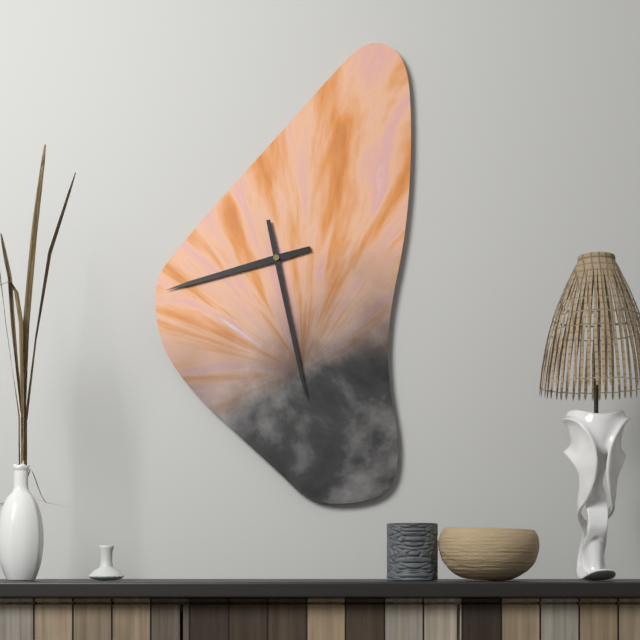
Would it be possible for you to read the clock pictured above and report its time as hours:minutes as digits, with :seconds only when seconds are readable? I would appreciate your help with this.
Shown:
8:28
